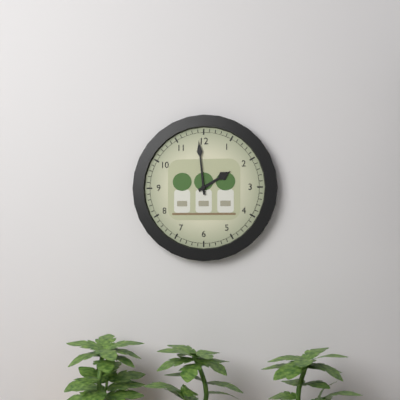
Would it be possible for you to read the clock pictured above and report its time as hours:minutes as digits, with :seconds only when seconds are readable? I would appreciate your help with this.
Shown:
1:59
